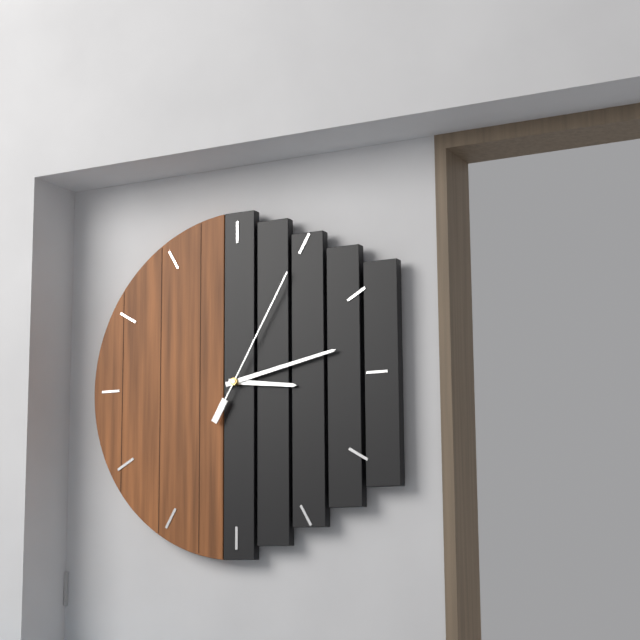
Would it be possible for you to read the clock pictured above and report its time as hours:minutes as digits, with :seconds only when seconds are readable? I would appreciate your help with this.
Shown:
3:13:05
